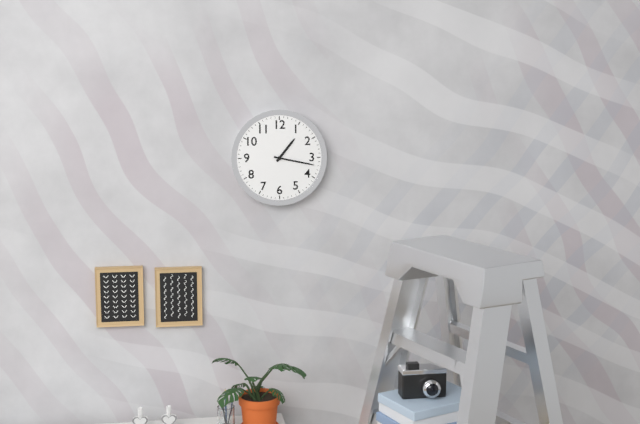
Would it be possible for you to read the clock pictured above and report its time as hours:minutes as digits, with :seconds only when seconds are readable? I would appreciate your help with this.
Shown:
1:17
